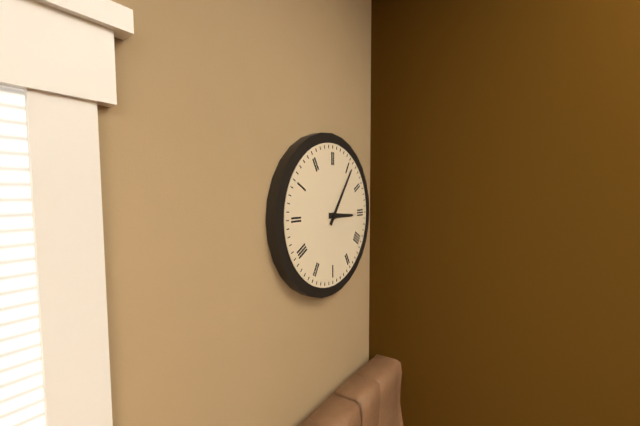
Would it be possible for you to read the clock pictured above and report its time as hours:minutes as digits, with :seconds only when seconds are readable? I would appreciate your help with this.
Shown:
3:06
